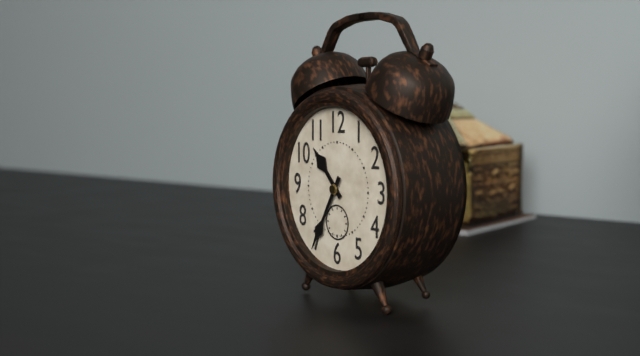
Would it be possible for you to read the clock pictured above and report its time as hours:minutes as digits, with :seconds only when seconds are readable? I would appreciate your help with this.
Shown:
10:35
